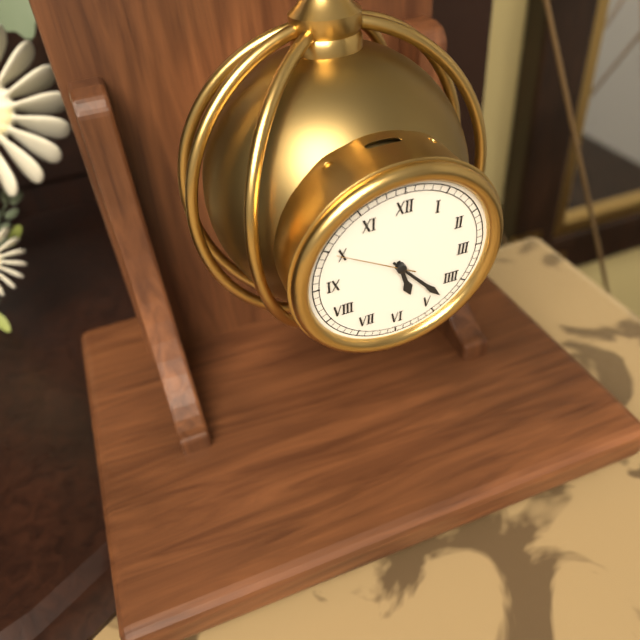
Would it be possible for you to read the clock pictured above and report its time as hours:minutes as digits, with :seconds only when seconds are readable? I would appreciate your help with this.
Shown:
5:23:50
